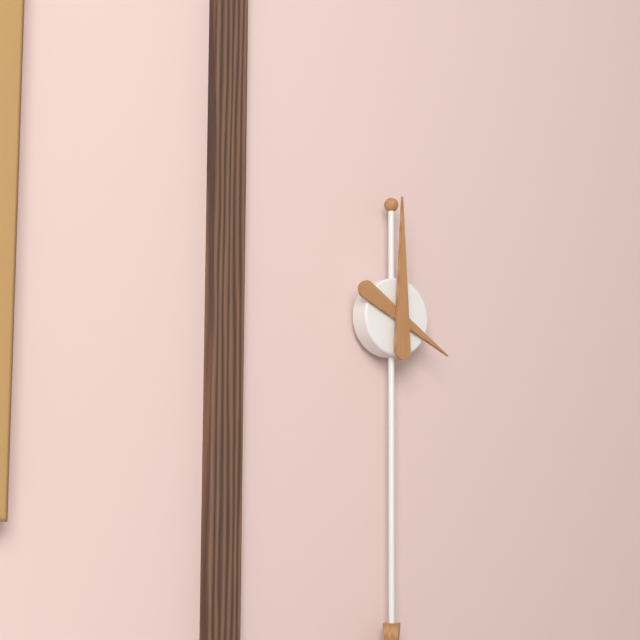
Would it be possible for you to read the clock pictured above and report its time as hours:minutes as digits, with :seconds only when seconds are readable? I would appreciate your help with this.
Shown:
4:00
